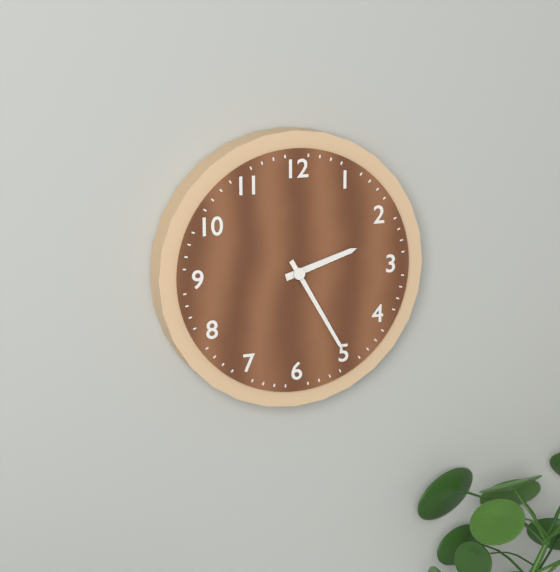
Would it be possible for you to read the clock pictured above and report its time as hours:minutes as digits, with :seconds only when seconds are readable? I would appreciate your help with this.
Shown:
2:25
